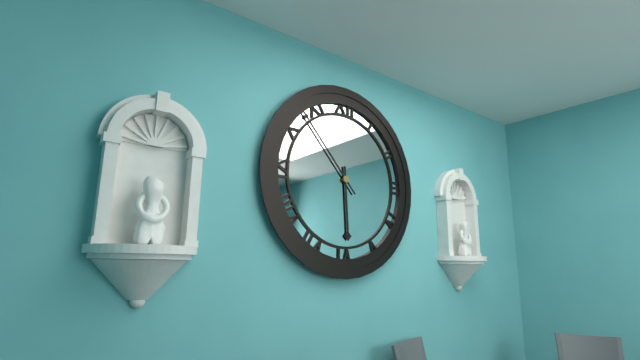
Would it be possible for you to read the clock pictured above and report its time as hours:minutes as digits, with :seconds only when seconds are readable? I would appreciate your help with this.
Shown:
5:53
